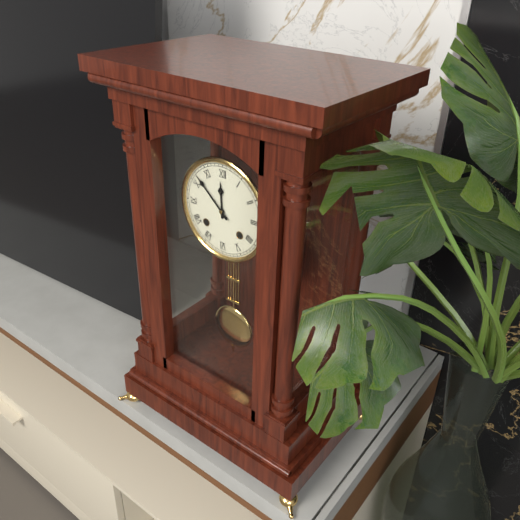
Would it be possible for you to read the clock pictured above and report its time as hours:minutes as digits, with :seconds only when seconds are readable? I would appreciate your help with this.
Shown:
11:52
